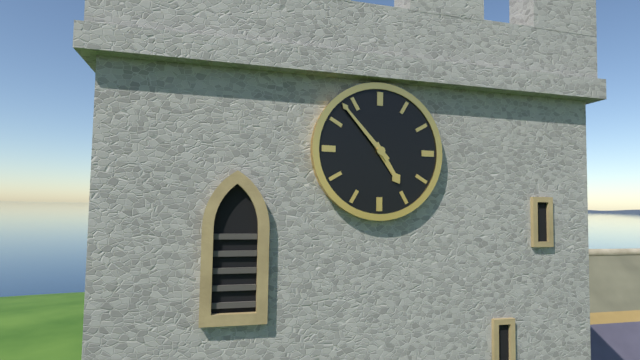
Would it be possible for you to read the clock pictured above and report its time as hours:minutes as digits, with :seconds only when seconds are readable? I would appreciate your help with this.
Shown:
4:53
